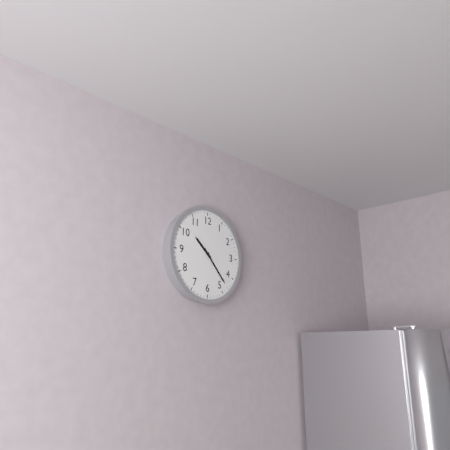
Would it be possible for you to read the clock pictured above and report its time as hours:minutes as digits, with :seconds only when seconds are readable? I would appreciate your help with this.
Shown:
10:23
